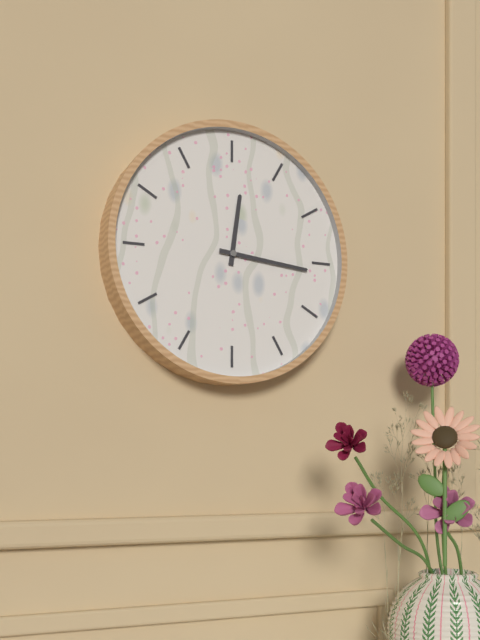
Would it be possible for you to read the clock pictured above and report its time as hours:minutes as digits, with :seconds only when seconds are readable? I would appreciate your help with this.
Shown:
12:16
